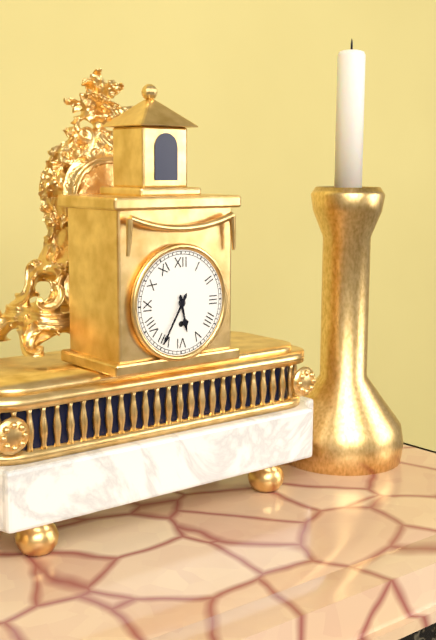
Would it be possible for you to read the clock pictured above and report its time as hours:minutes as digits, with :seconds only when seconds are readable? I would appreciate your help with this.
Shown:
5:35
